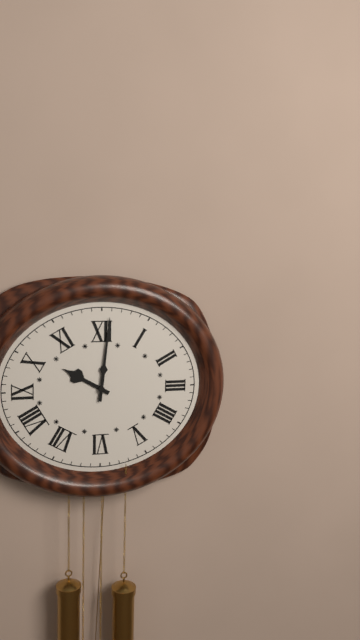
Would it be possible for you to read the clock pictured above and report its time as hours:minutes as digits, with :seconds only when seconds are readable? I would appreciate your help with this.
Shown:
10:01
